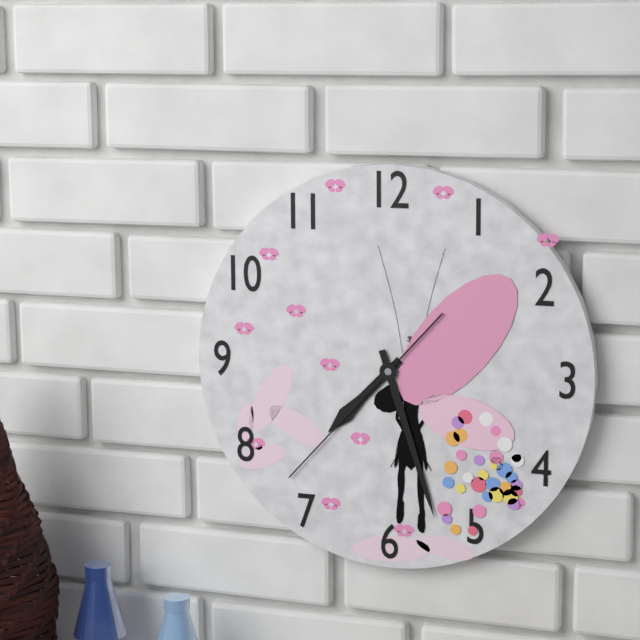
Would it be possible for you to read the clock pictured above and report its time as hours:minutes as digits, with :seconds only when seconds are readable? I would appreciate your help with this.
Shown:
7:27:37
